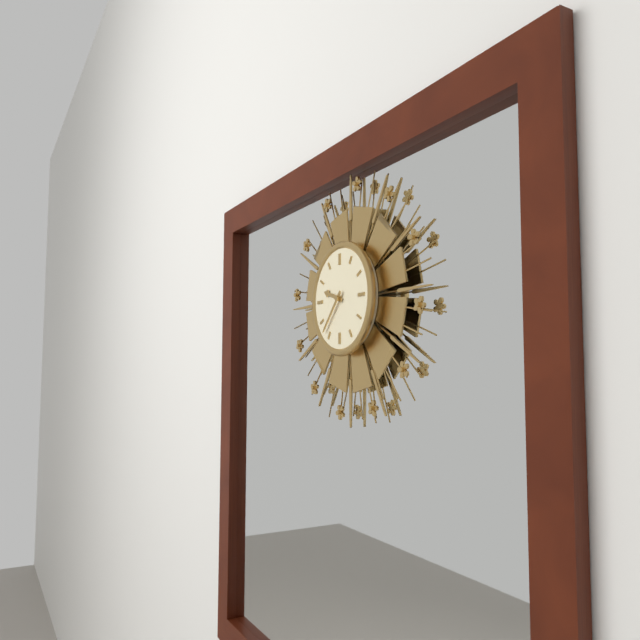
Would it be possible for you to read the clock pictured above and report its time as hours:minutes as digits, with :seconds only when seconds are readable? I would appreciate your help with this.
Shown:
9:37
